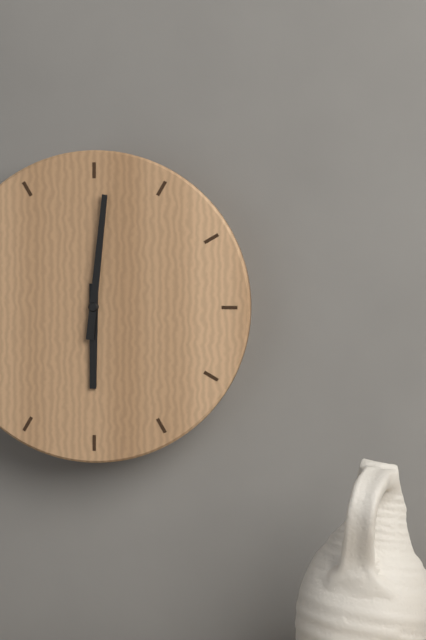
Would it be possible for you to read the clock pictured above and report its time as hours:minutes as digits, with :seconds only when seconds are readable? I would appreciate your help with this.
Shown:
6:01
